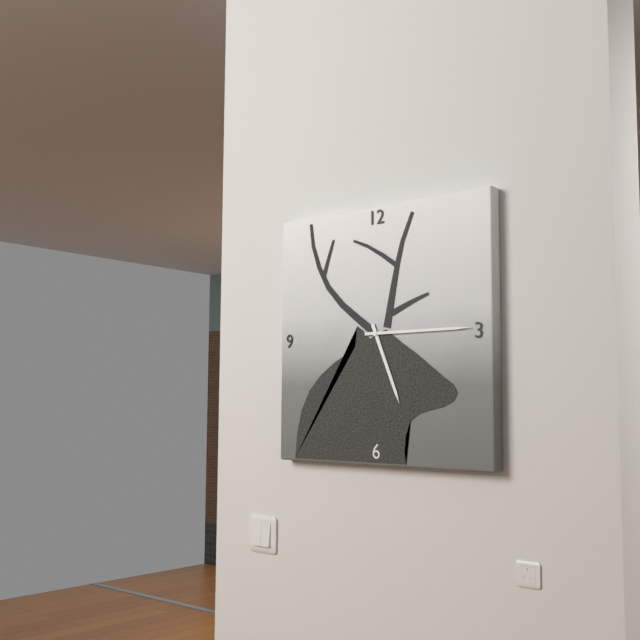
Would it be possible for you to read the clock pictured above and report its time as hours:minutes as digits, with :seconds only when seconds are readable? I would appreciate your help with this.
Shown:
5:15
